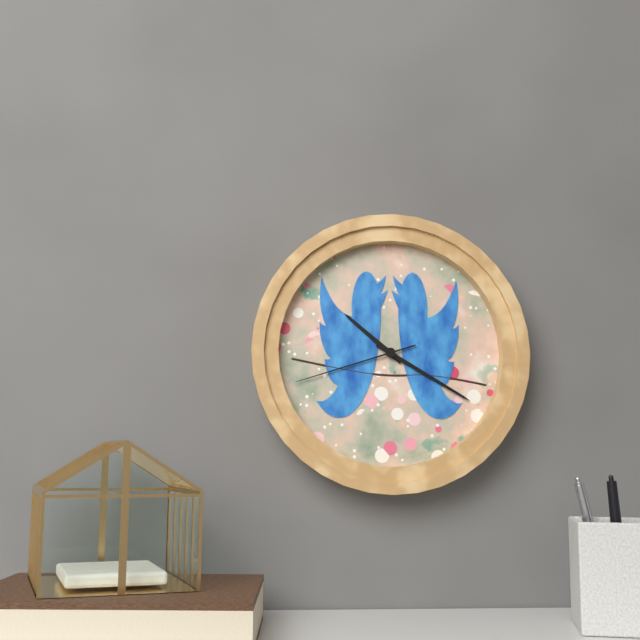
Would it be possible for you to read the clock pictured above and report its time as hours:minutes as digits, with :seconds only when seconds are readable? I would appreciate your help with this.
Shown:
10:20:42
